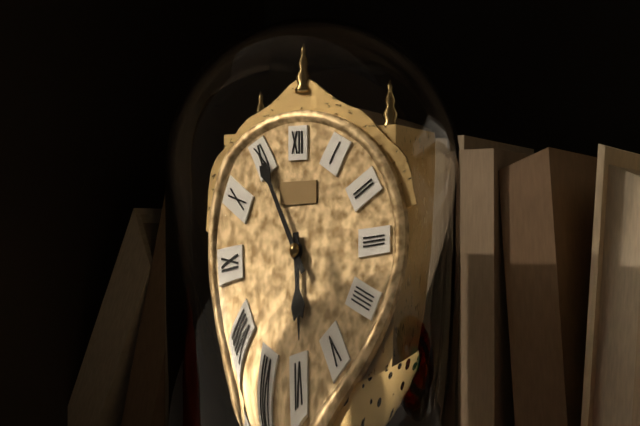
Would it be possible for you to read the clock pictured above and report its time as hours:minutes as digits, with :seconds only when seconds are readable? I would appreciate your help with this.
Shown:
5:55
